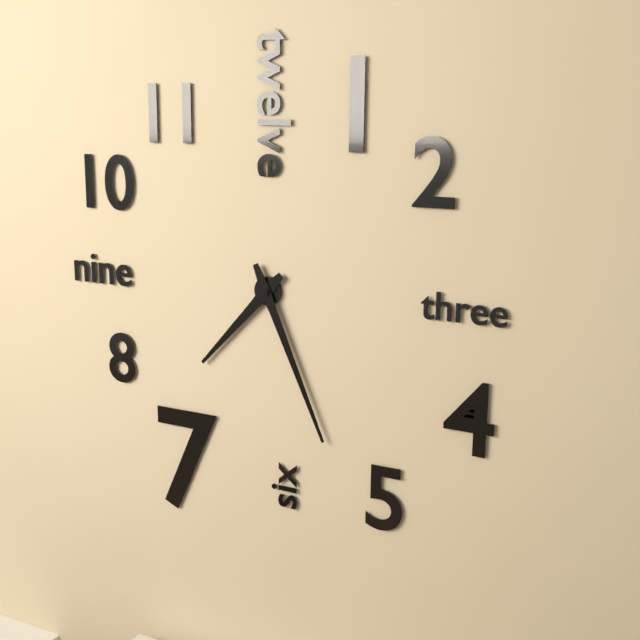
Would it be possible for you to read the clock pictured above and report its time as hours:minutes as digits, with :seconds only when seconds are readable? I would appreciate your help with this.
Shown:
7:26
